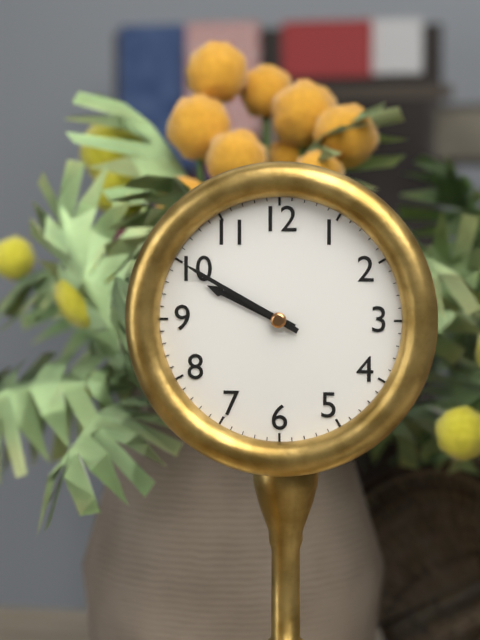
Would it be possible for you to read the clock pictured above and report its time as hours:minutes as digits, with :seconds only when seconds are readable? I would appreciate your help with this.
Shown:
9:50
